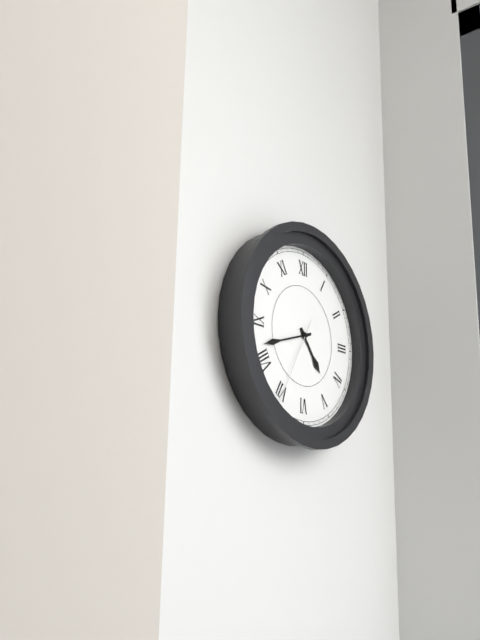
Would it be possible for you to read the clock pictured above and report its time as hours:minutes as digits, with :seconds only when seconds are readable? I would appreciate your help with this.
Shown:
4:42:35
